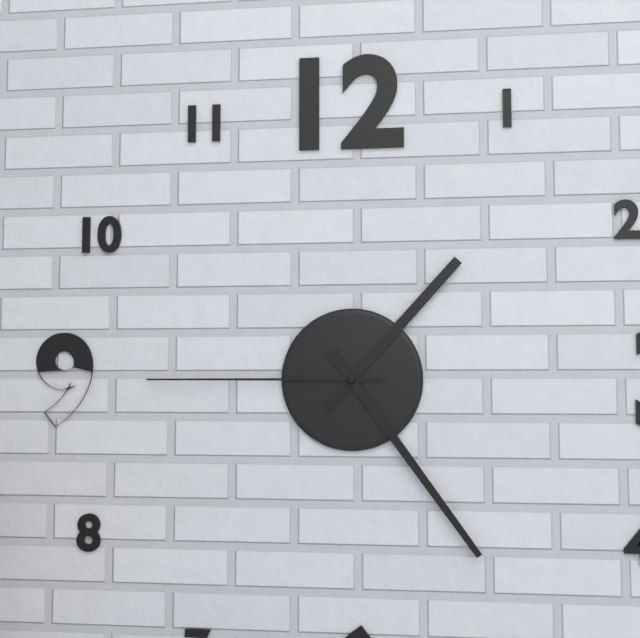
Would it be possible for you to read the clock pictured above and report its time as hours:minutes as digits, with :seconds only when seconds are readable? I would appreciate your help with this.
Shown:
1:24:45
